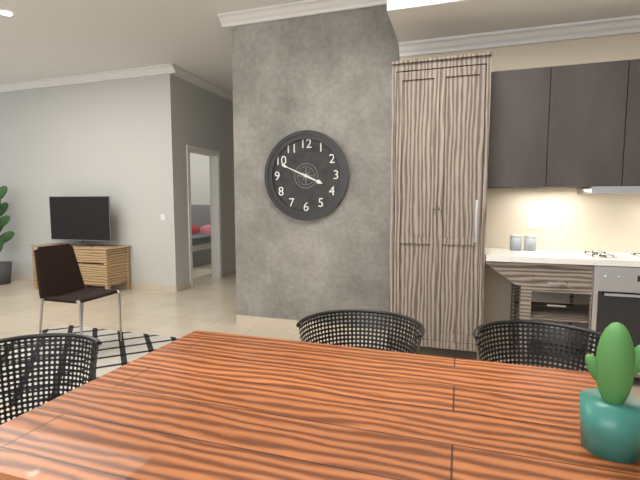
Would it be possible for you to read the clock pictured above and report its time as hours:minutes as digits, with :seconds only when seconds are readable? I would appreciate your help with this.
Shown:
3:49
